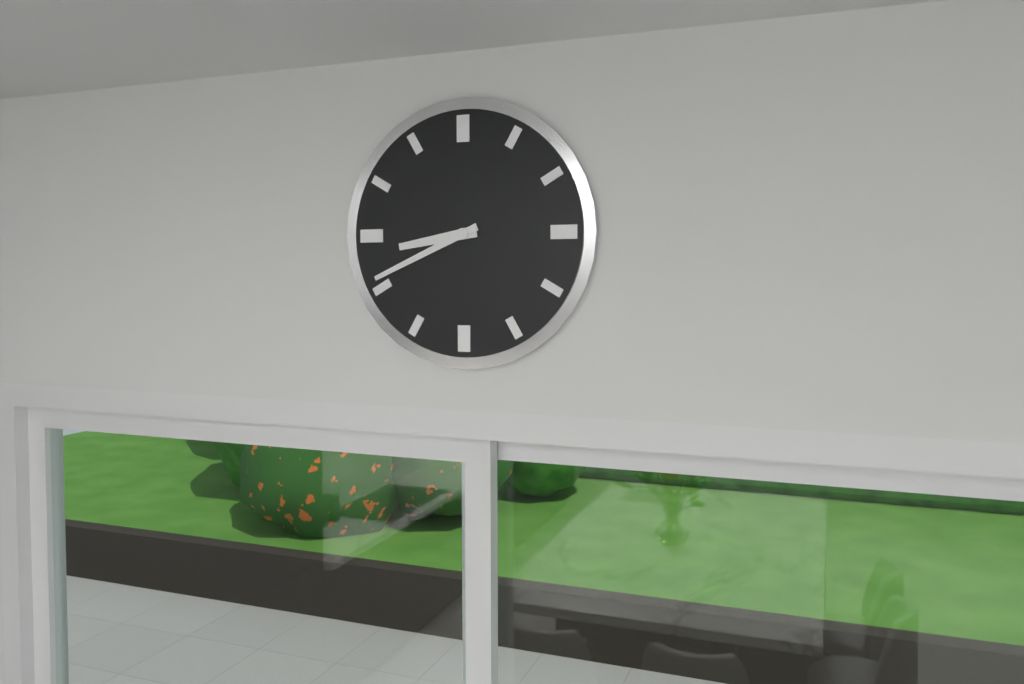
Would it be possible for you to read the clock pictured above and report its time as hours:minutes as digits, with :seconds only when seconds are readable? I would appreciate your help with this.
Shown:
8:41
